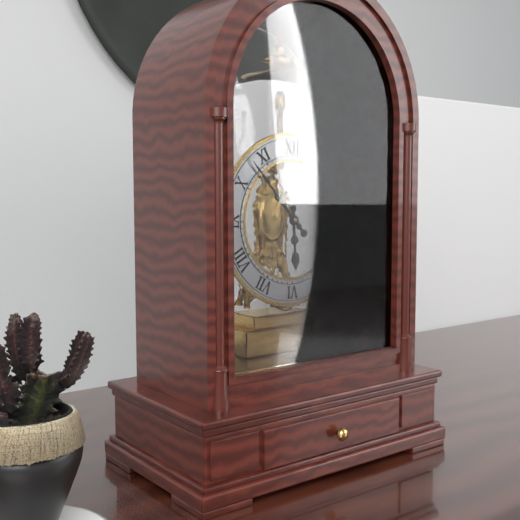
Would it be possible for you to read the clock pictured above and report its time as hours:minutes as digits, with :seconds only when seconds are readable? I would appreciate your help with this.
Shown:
5:53
